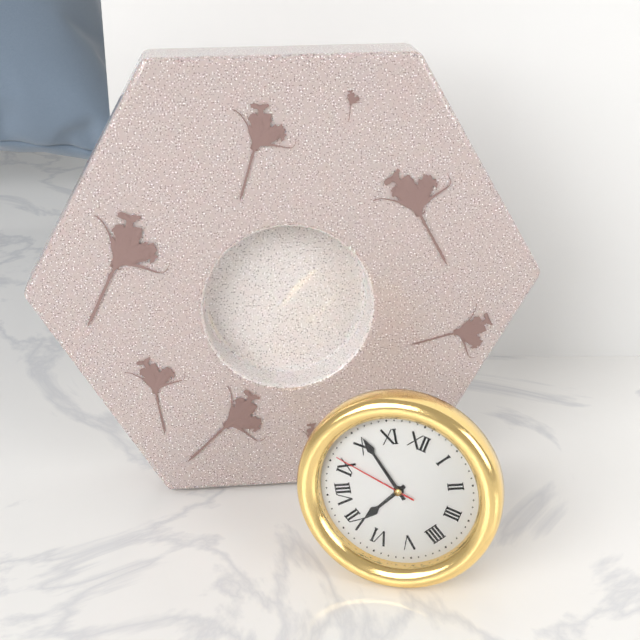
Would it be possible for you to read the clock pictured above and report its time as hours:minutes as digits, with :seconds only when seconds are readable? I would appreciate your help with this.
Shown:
6:51:46
